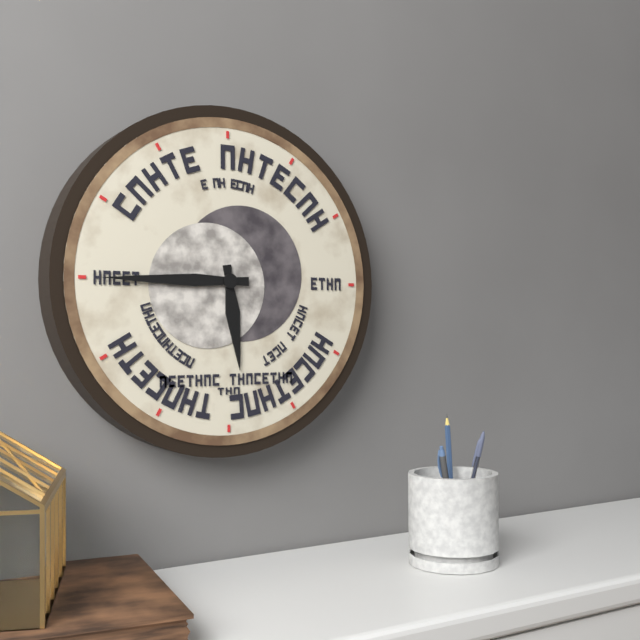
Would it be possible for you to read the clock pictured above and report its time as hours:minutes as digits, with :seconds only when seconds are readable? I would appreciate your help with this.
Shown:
5:45
